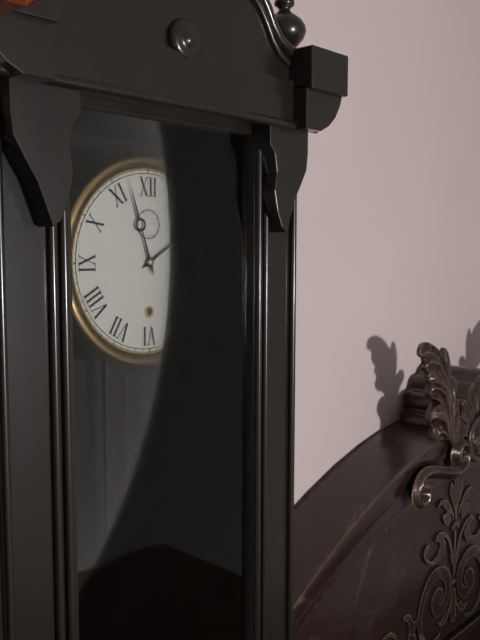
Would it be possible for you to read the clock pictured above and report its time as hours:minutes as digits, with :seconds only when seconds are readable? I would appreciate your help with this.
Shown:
1:57
